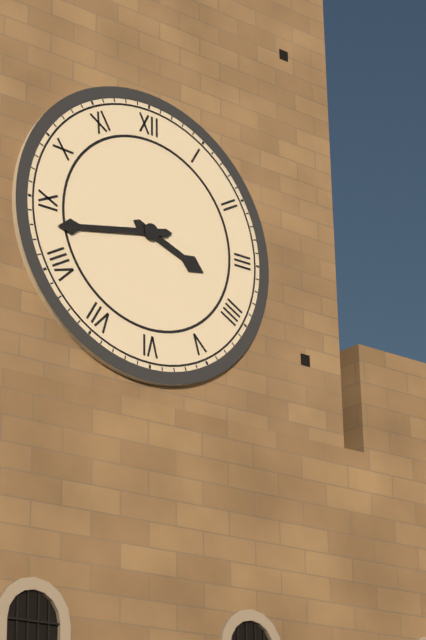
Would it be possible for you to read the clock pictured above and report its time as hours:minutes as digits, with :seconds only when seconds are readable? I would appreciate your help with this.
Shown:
3:43
